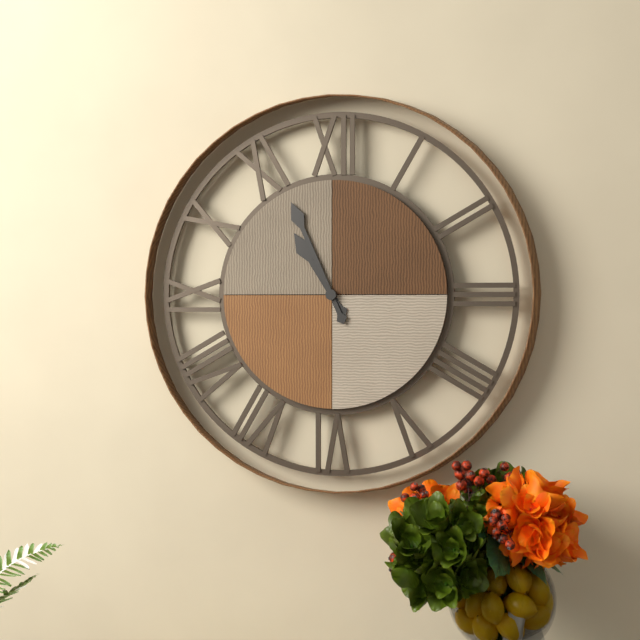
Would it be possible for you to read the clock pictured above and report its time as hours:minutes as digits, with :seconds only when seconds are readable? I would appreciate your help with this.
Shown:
10:56
